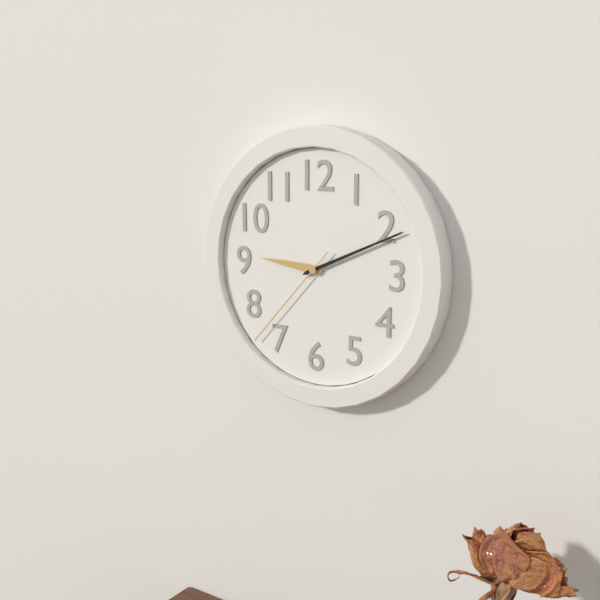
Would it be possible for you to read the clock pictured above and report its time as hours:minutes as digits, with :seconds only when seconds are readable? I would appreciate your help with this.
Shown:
9:11:37
